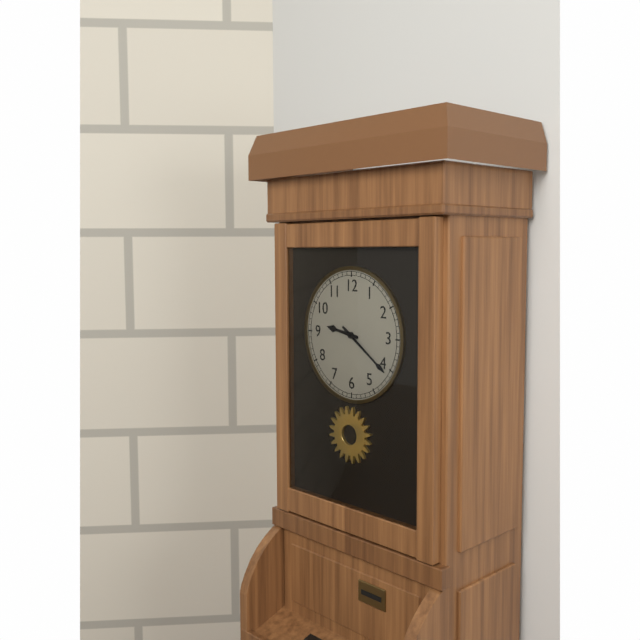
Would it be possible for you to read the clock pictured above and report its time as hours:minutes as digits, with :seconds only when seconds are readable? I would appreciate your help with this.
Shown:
9:21
